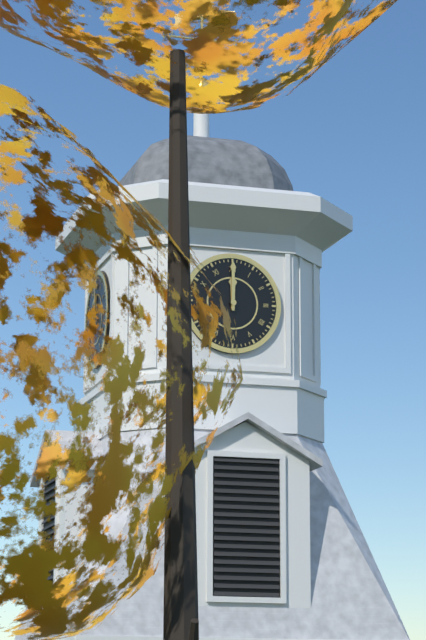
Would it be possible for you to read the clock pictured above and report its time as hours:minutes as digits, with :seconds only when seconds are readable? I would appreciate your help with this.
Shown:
12:00
